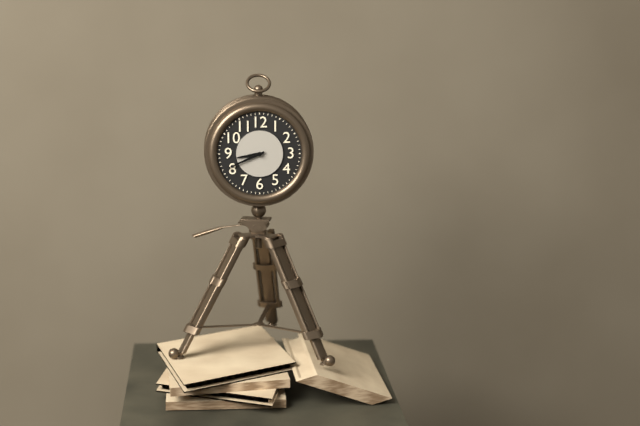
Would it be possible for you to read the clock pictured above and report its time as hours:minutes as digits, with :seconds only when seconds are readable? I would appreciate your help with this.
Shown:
8:41
